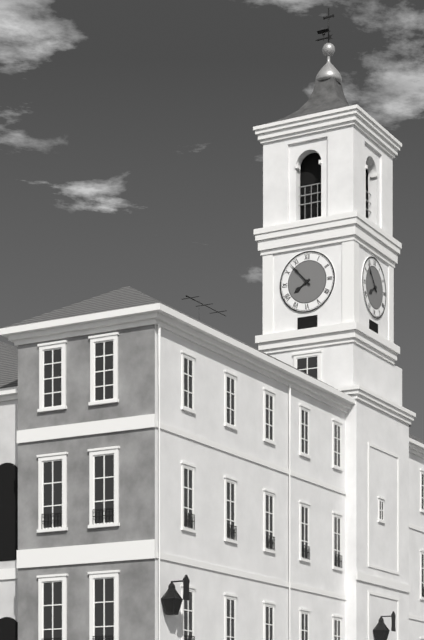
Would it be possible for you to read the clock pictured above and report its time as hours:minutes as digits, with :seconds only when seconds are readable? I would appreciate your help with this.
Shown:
7:53
